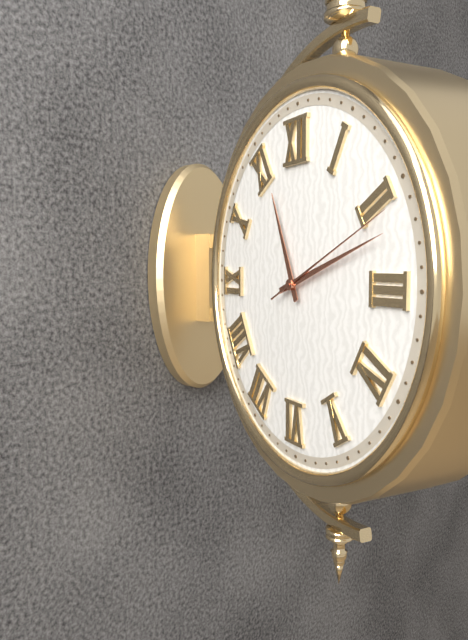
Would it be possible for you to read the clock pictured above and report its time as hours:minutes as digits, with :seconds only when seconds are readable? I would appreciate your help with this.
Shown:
11:12:11
